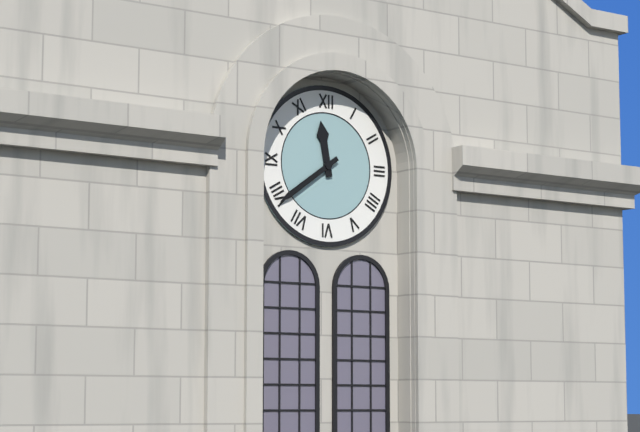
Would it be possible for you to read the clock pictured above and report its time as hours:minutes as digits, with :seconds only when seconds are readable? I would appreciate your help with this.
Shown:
11:39
